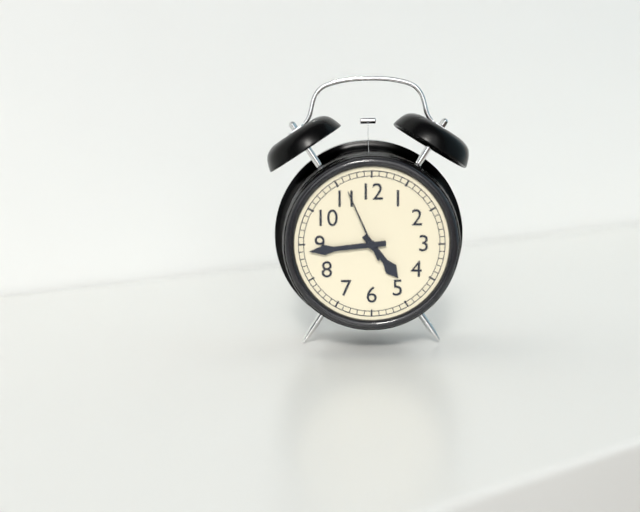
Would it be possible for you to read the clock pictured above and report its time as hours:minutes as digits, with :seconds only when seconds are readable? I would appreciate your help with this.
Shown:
4:44:56
